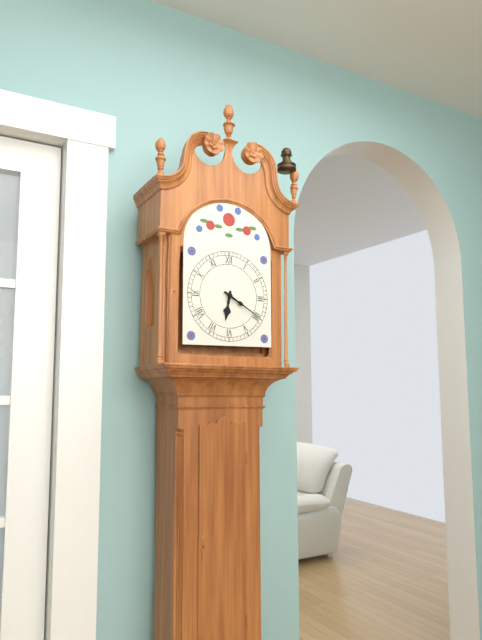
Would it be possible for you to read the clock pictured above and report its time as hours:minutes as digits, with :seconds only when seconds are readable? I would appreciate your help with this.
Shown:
6:20
